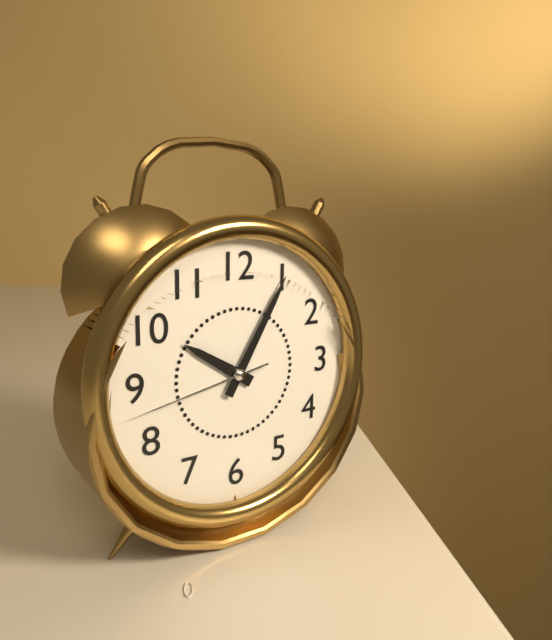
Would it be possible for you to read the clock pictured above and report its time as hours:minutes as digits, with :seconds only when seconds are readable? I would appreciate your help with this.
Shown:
10:05:43
